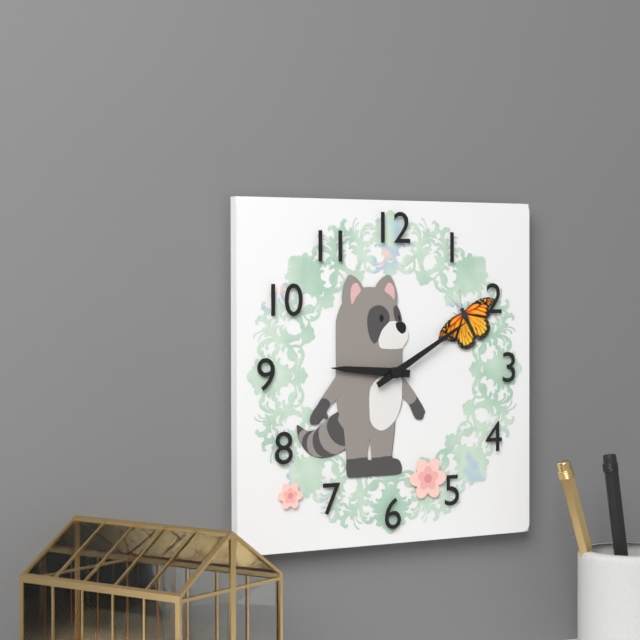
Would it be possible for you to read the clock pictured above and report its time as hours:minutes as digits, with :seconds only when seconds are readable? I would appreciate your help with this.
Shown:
9:10
